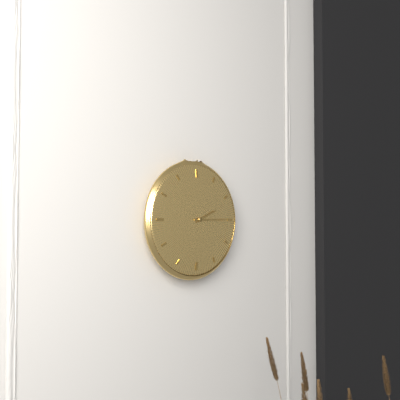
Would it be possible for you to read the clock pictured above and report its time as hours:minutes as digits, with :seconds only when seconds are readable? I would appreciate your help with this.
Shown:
2:15
